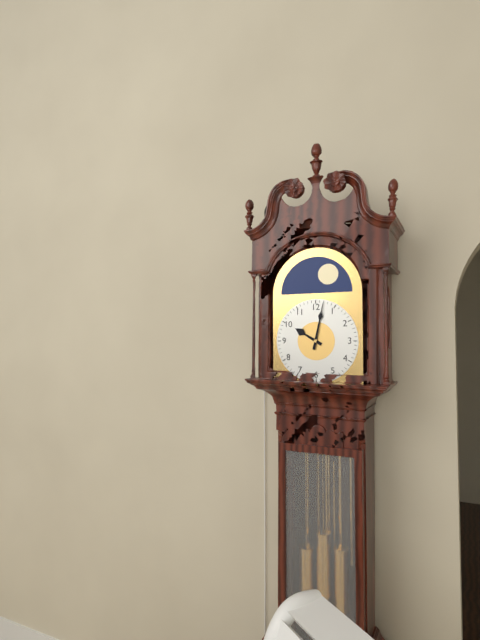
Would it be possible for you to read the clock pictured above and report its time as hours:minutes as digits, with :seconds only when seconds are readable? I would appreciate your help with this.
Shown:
10:02
